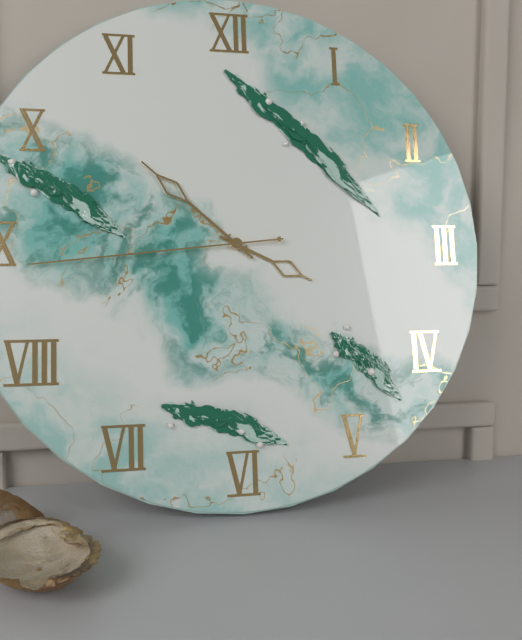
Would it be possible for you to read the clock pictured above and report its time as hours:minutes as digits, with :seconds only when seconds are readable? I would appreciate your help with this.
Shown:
3:52:44
